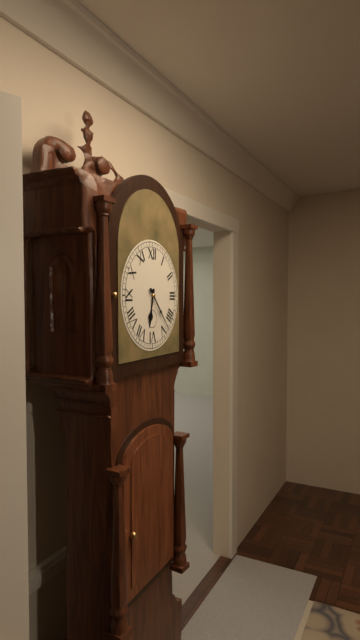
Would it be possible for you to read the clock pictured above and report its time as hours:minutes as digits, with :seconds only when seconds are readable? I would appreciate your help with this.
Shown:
6:23
